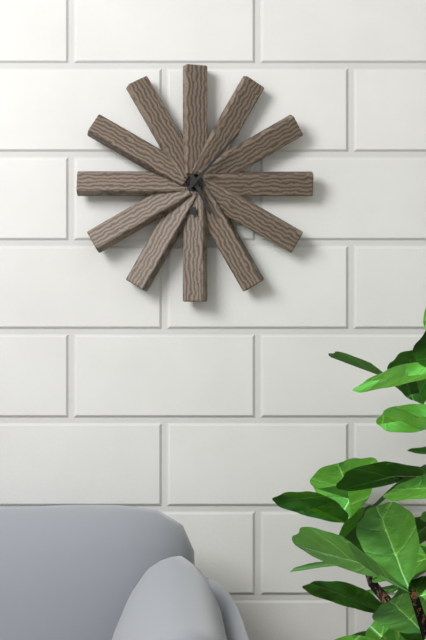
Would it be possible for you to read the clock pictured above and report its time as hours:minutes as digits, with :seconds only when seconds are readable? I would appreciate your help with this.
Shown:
5:07
